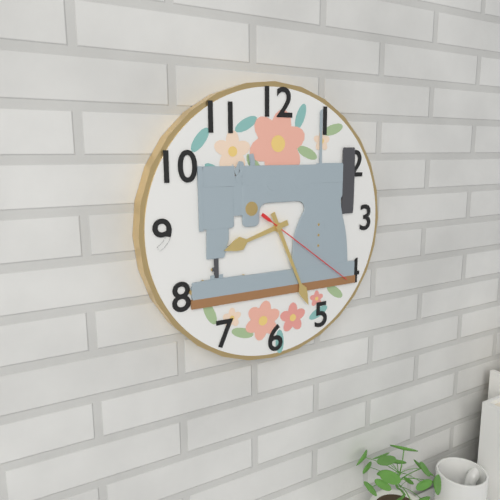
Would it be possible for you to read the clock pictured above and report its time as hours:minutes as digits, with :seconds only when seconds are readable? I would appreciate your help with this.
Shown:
8:26:21
